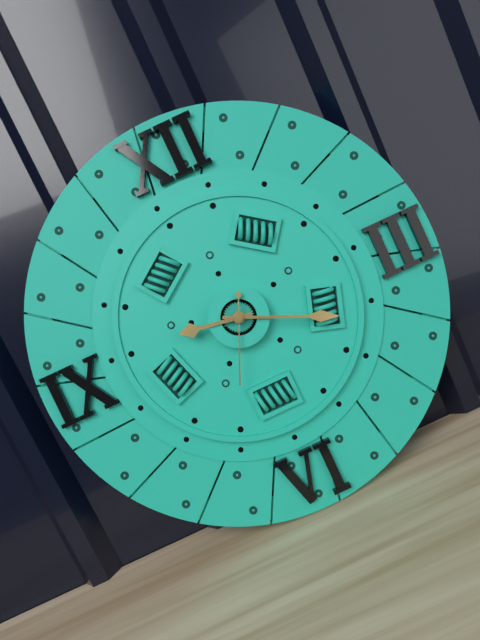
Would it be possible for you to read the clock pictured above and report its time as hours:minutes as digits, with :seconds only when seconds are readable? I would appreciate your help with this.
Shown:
9:19:34
